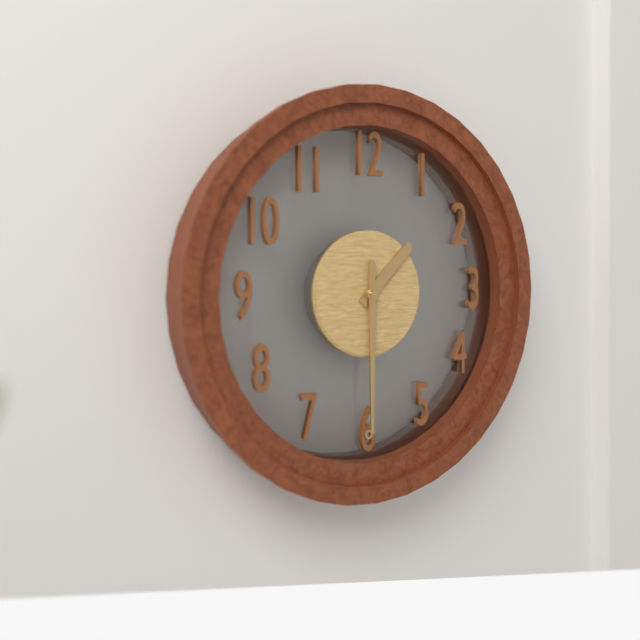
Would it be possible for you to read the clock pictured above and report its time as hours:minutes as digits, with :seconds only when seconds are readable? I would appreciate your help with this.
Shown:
1:30
